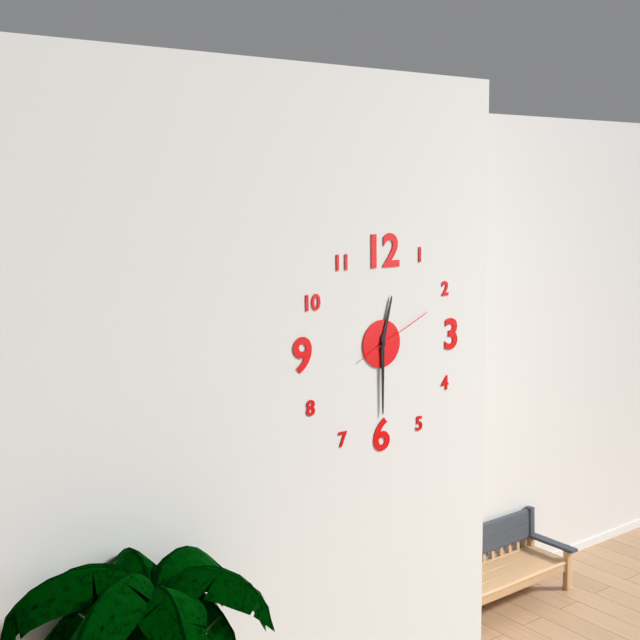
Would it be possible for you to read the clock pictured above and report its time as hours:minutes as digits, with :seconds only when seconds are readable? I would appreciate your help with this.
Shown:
12:30:11
